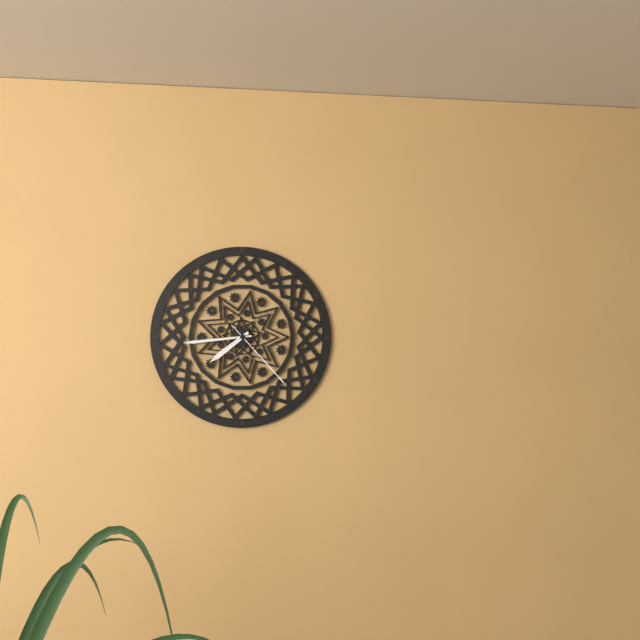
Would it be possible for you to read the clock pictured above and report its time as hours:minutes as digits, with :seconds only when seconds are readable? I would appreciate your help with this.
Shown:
7:44:23
